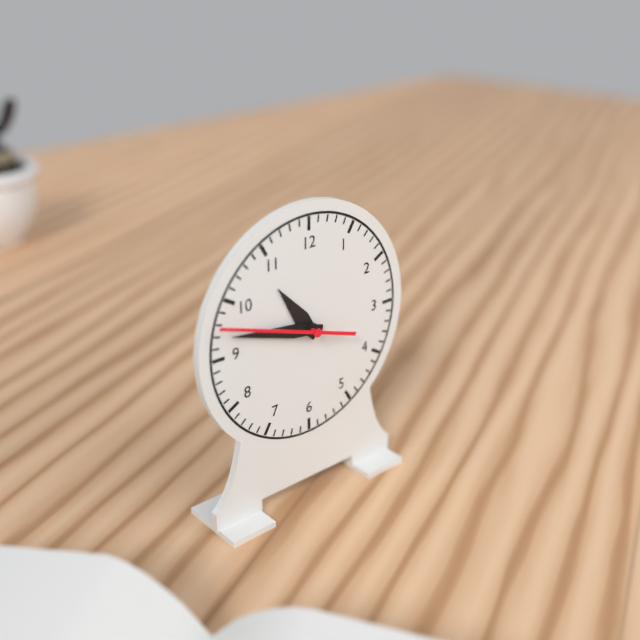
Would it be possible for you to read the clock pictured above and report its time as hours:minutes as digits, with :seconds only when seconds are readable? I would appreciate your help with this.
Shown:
10:47:48
